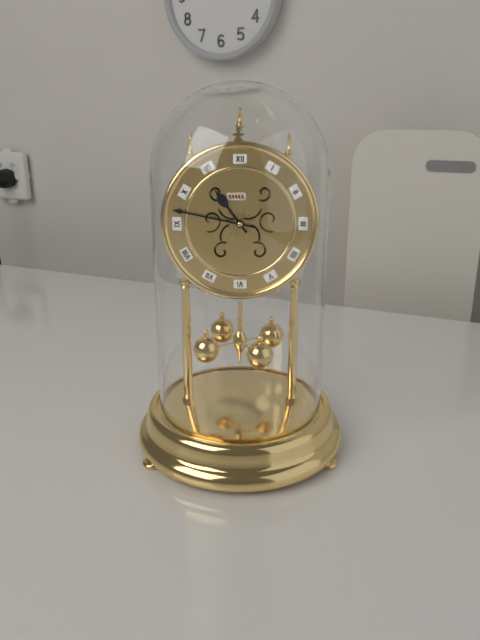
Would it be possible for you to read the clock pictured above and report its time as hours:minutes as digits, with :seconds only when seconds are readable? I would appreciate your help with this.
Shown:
10:47
